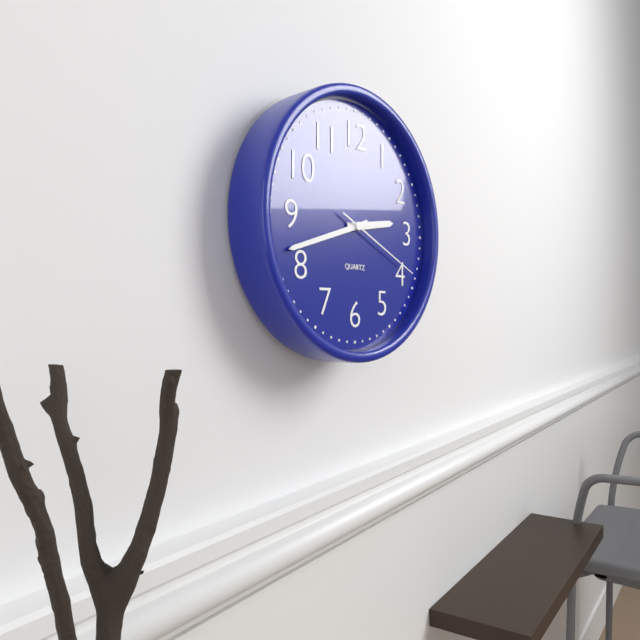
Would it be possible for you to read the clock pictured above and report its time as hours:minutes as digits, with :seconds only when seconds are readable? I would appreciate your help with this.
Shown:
2:42:19
